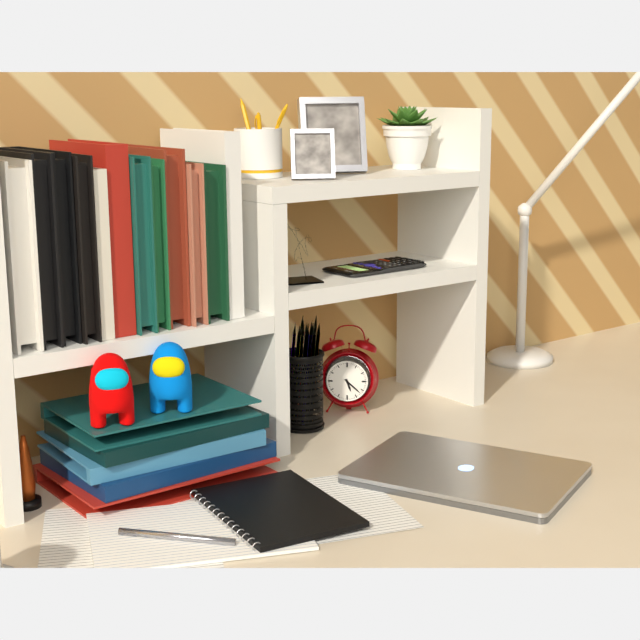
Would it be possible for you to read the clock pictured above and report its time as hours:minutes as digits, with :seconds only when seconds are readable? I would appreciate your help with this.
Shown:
5:22
